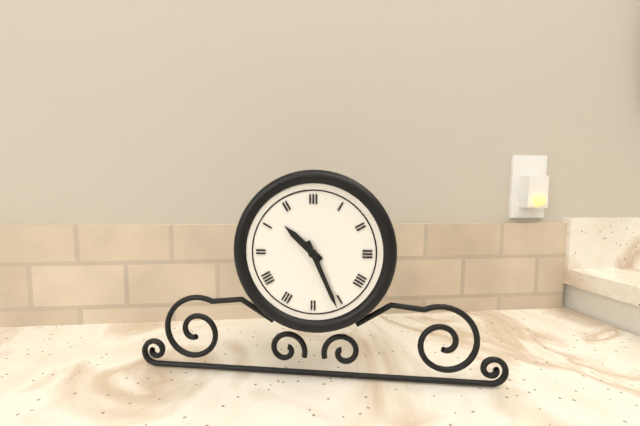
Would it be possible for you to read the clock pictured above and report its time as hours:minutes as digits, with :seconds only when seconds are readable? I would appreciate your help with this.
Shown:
10:26
